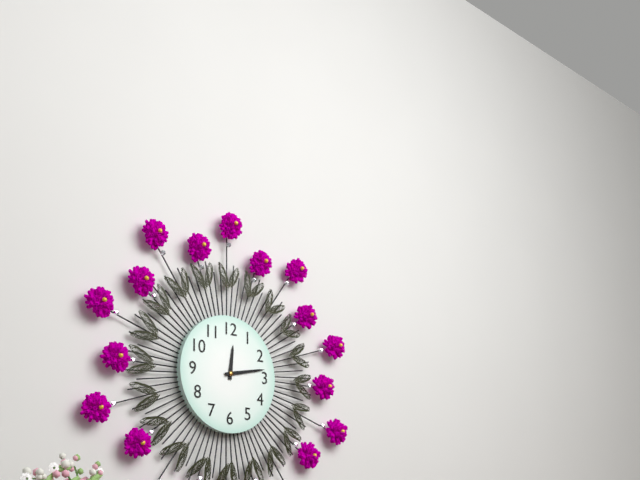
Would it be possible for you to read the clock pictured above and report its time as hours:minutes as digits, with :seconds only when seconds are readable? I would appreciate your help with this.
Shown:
12:13
